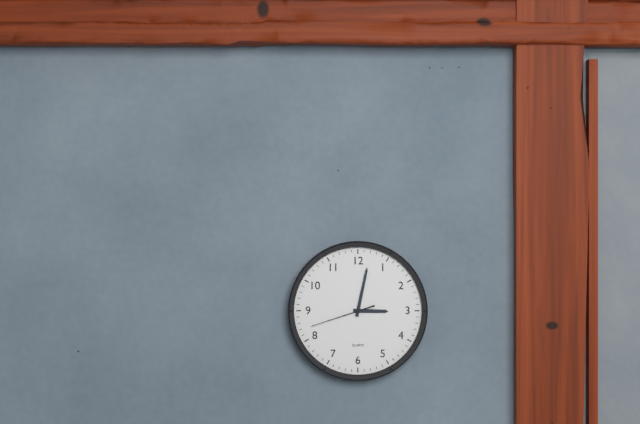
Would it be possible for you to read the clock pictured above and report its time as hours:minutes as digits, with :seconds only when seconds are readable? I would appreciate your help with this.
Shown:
3:02:42
